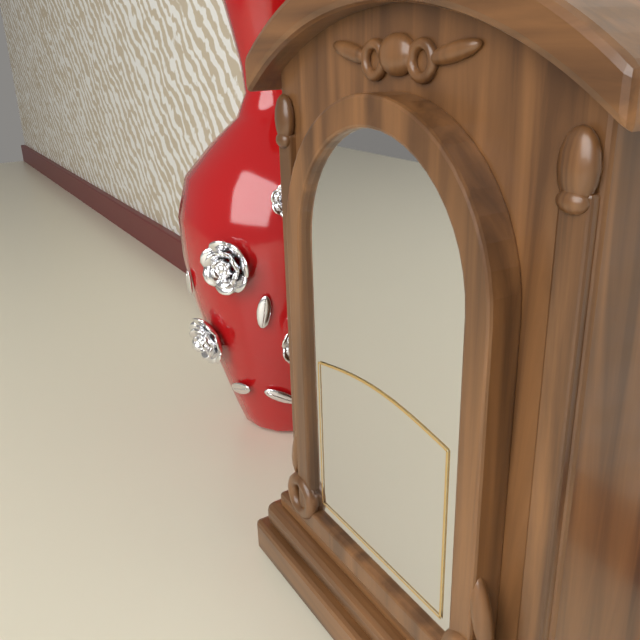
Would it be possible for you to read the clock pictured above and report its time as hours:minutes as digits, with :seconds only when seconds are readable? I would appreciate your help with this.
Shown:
6:04
